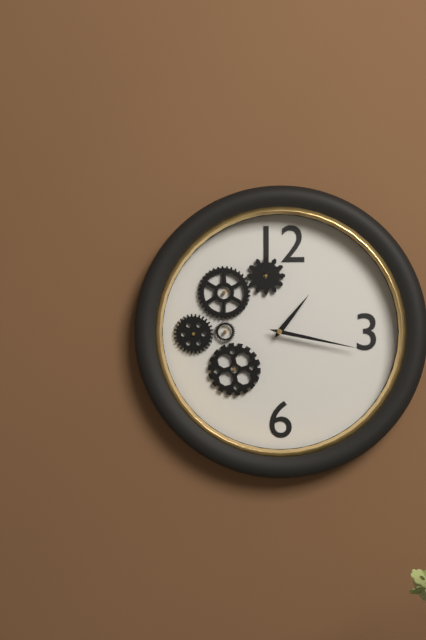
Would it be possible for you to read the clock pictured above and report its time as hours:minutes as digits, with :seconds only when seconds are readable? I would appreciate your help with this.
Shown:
1:17
